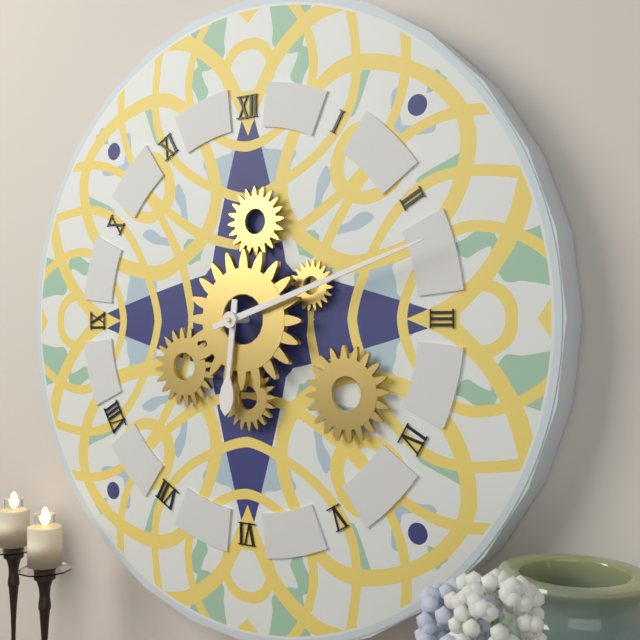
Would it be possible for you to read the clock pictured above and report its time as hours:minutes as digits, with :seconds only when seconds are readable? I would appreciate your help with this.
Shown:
6:12
